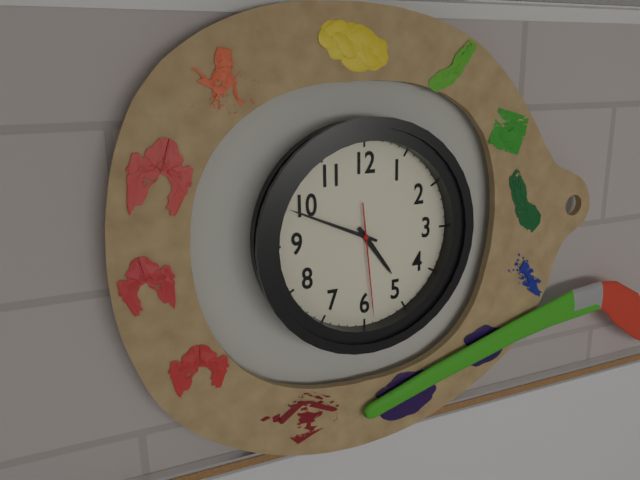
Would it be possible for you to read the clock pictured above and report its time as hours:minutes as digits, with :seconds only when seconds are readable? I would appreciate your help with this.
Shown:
4:49:29
